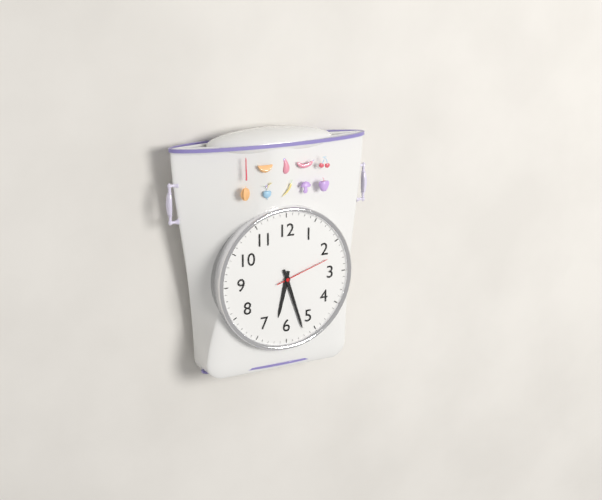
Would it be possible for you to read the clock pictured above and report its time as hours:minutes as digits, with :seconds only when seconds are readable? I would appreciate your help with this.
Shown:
6:27:12
